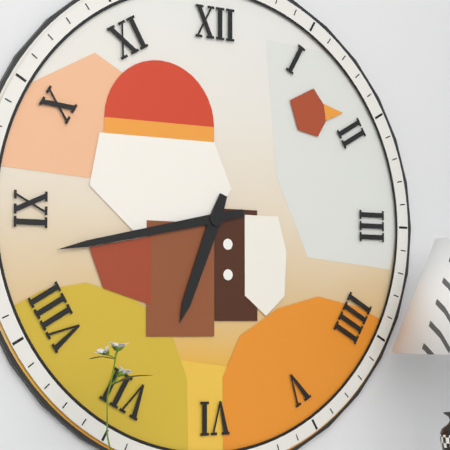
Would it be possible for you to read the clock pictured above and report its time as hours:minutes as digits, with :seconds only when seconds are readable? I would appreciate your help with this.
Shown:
6:43
